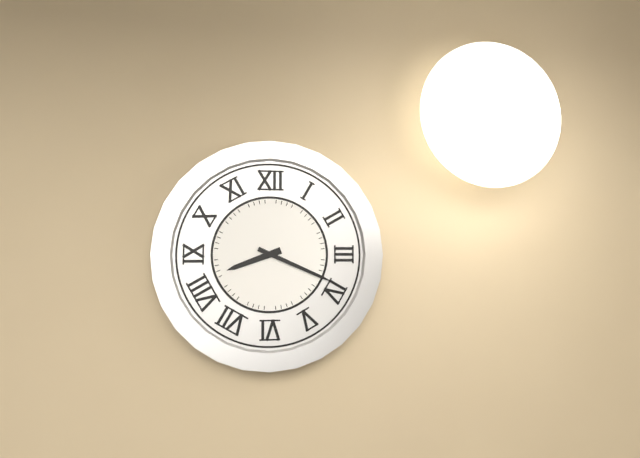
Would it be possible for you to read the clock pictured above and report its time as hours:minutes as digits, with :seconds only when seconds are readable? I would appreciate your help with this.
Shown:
8:19
